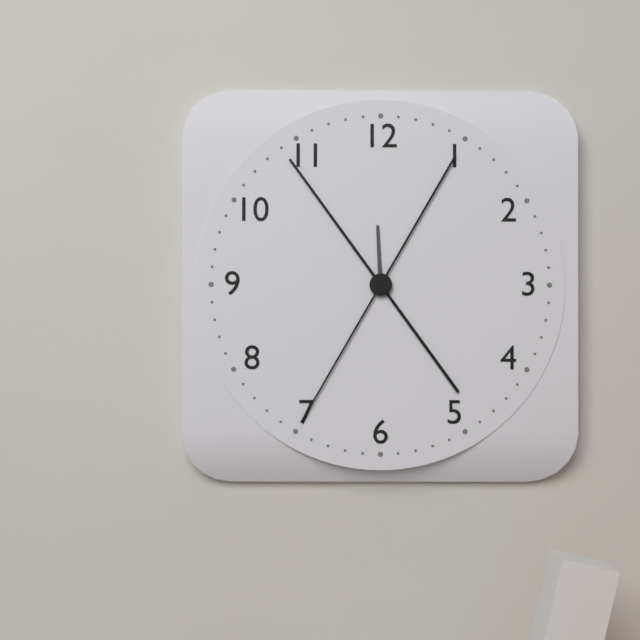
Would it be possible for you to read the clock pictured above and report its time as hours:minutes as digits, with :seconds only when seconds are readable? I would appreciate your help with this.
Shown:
11:54:35
